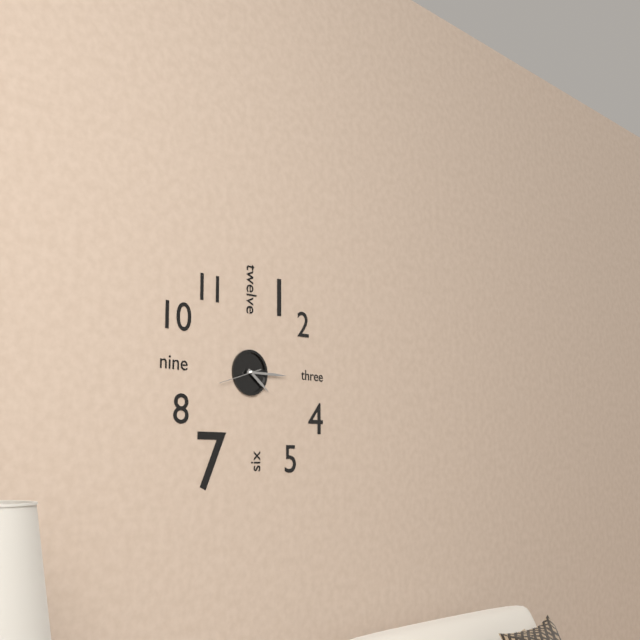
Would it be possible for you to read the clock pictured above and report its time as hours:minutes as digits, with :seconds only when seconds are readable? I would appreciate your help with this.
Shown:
4:15
